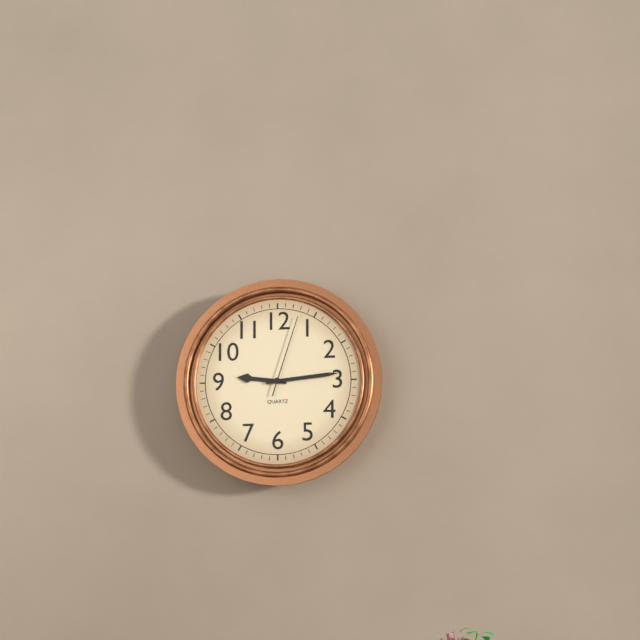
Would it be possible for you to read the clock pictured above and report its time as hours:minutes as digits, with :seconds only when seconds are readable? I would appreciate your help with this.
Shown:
9:14:03
